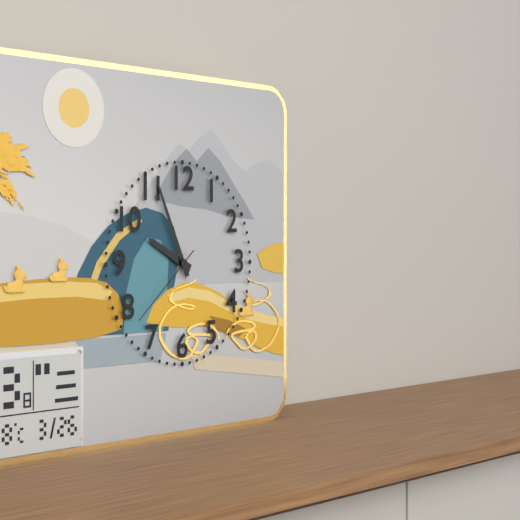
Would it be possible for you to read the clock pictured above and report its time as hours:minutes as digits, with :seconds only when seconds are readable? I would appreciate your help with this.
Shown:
9:56:38
